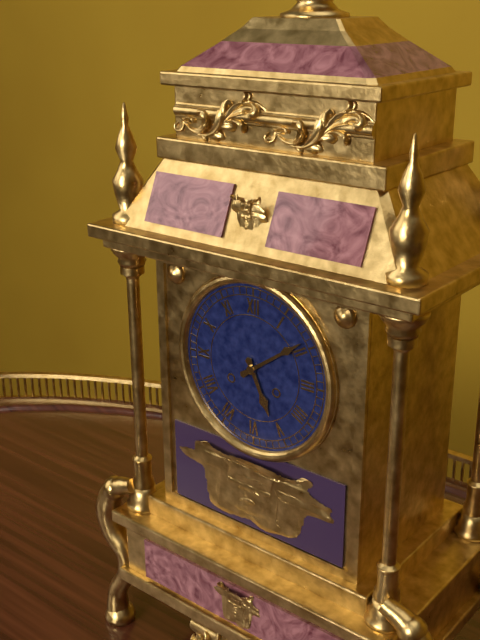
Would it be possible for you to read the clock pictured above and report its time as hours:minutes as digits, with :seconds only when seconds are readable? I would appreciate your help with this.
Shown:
5:09
